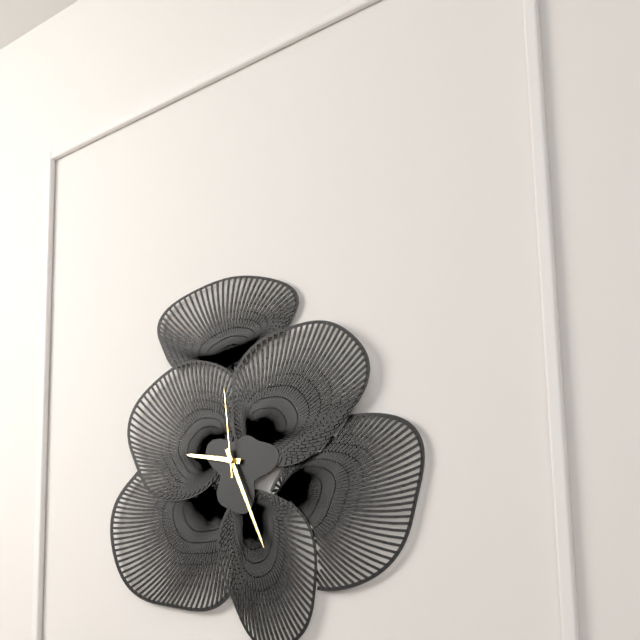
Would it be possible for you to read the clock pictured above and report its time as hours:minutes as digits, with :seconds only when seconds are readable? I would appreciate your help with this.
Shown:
9:26:59
